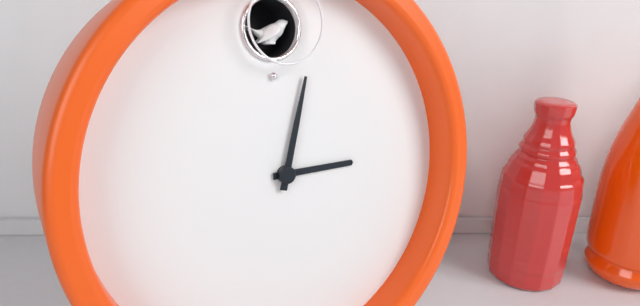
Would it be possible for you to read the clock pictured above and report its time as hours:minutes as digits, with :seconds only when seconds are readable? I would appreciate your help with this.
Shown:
3:03
